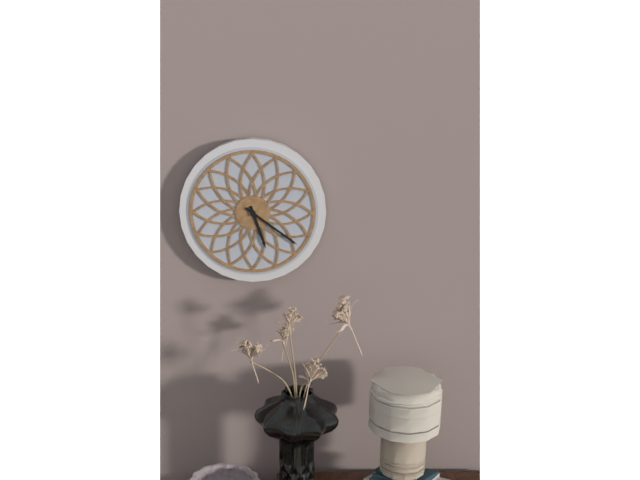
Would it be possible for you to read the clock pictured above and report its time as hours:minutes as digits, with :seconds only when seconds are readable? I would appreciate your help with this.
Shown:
5:21
